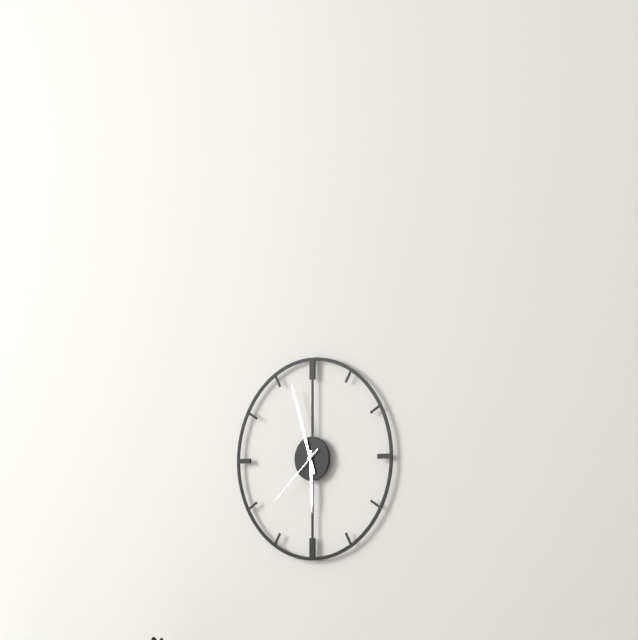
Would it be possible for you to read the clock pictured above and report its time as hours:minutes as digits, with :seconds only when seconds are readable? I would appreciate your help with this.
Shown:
5:57:38
